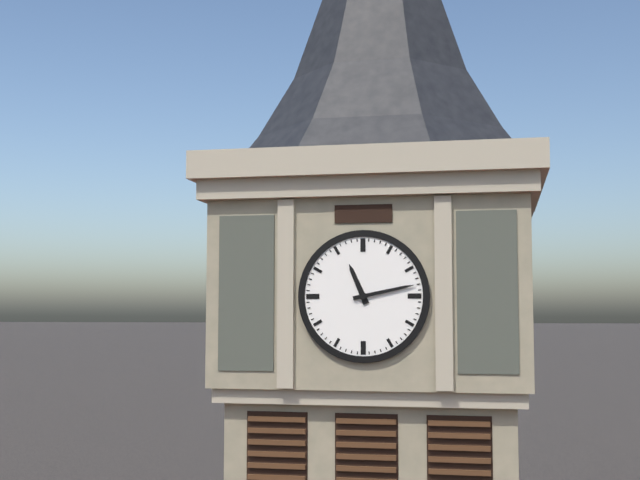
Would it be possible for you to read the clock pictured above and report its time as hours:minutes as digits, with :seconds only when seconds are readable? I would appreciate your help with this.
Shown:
11:13
